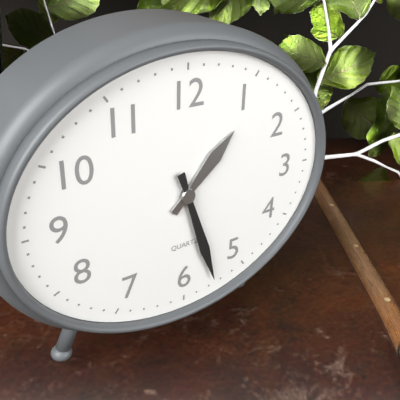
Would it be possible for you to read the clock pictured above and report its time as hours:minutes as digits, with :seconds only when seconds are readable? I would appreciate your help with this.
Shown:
1:27
